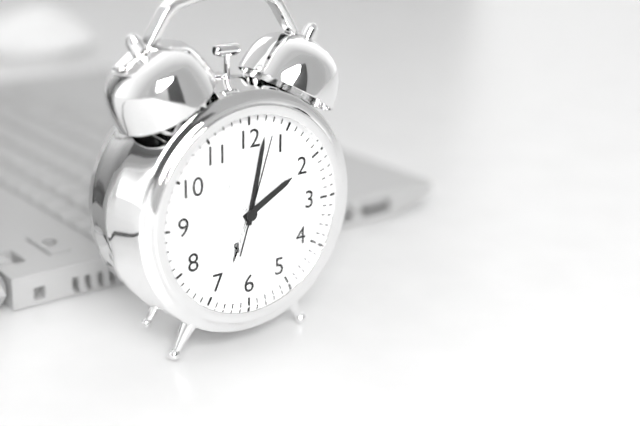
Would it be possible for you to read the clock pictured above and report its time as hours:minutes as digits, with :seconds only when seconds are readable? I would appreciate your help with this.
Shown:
2:02:03
